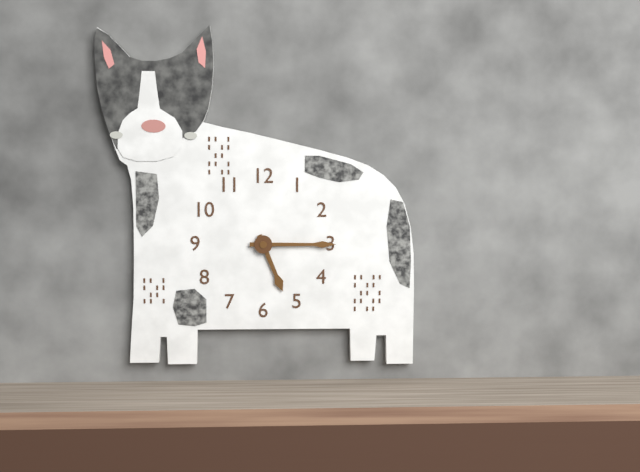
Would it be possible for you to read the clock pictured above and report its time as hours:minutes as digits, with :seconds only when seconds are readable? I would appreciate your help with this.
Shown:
5:15
